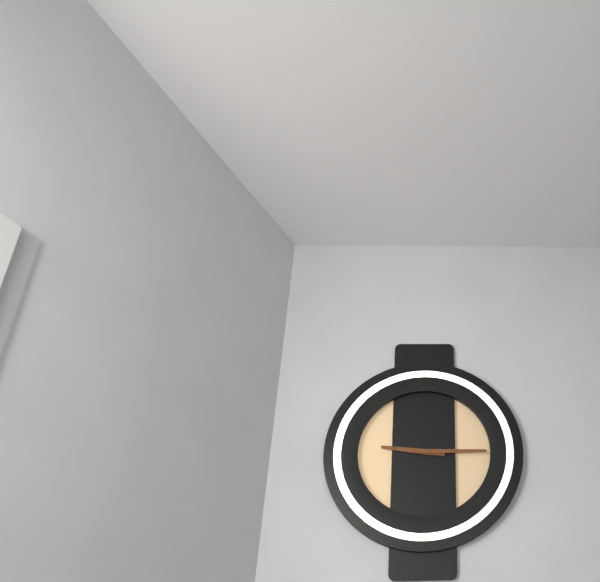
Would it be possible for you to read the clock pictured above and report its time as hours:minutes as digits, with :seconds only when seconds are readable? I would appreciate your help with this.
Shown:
9:15
